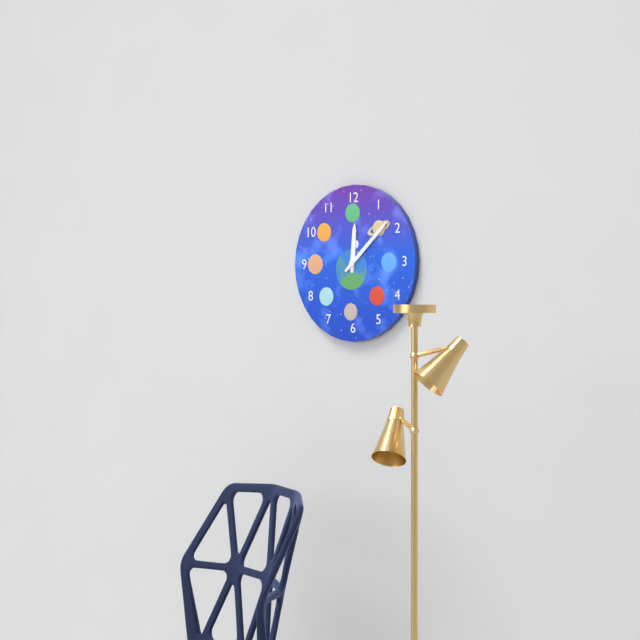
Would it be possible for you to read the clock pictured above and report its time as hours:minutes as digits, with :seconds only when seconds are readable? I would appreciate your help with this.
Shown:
12:08
